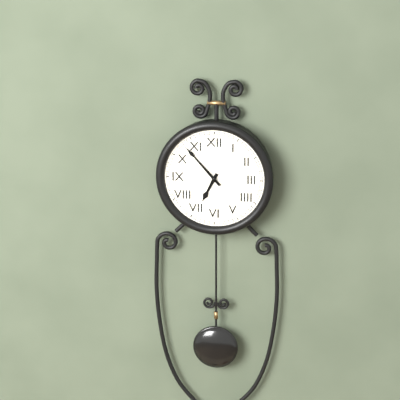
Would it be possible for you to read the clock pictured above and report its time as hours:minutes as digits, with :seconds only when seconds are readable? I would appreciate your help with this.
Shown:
6:53
